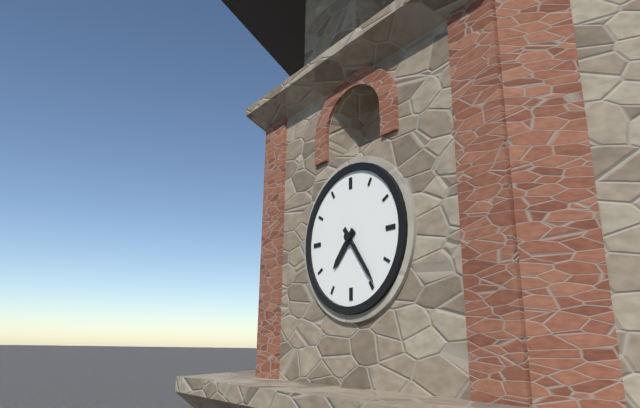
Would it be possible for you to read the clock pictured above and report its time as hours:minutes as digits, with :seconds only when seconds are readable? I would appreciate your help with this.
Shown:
7:24
